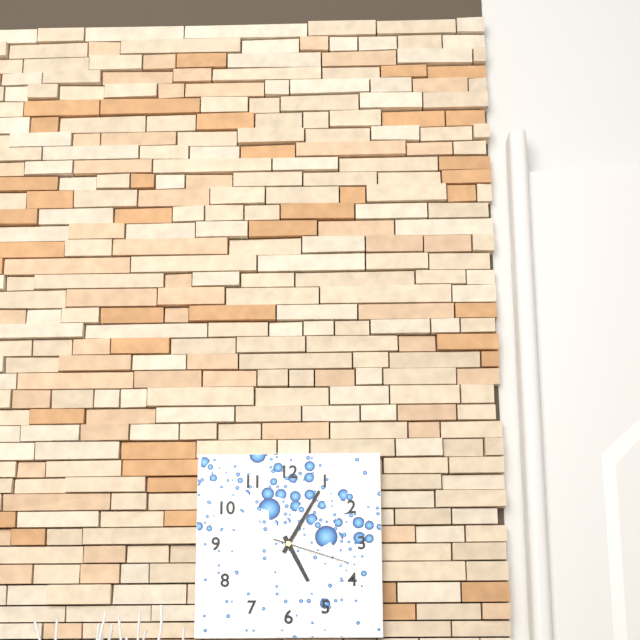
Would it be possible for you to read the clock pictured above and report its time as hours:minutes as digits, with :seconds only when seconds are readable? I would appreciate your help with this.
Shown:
5:05:18
